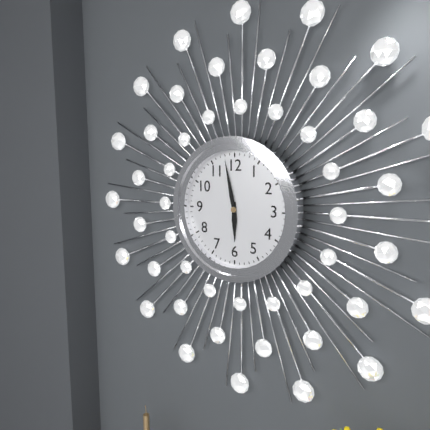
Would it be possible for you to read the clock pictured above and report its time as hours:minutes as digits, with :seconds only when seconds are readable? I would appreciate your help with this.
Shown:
5:58
